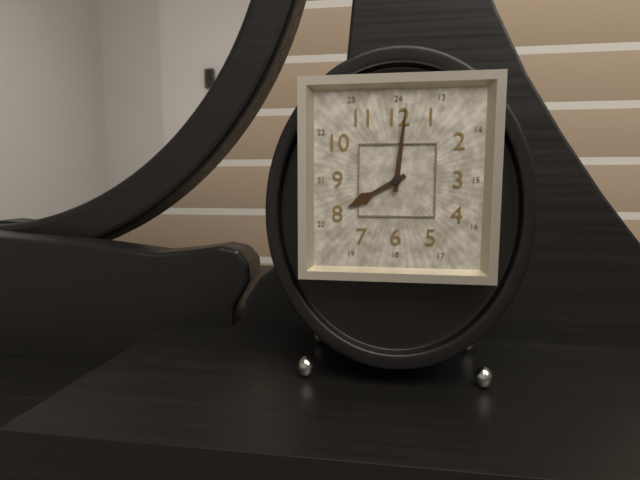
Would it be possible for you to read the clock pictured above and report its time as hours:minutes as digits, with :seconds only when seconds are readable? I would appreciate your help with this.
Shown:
8:01
